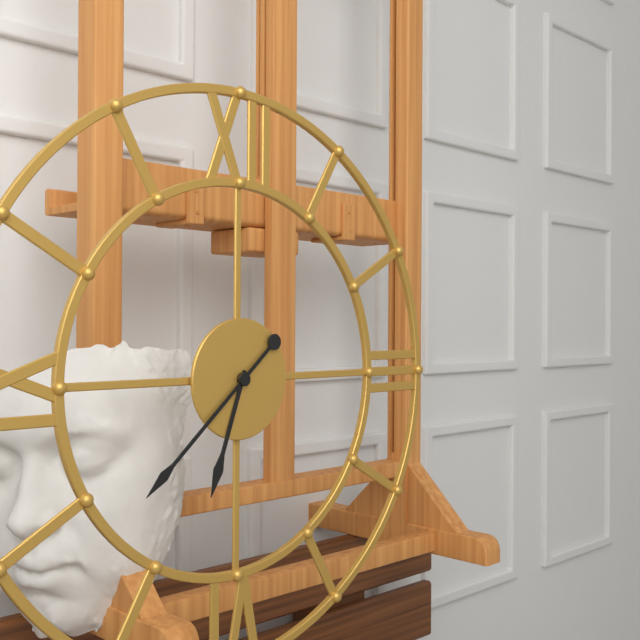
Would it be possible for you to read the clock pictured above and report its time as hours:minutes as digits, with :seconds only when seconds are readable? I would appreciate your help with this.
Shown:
6:38
